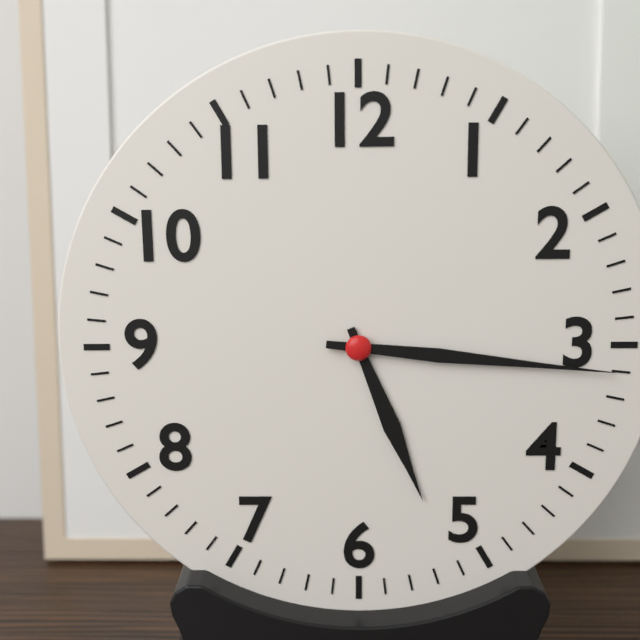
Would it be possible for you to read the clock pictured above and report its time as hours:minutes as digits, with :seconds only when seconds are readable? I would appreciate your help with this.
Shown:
5:16
